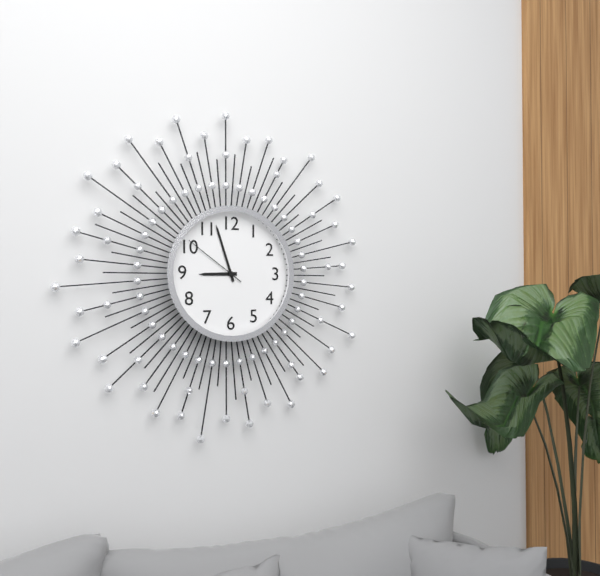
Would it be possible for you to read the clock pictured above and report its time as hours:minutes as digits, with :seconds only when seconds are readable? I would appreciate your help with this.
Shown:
8:57:51
